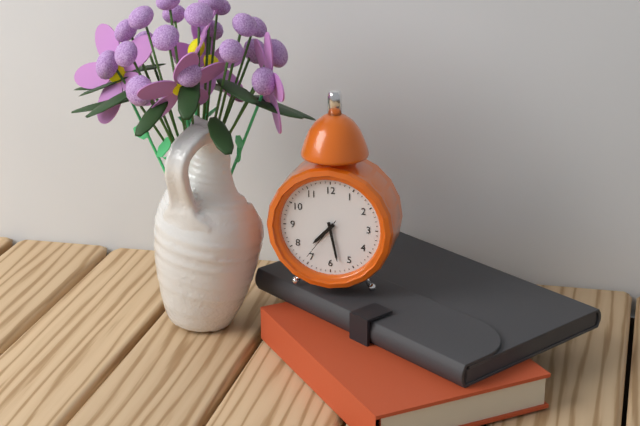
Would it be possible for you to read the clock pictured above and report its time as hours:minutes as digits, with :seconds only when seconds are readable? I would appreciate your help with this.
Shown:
7:28:36
